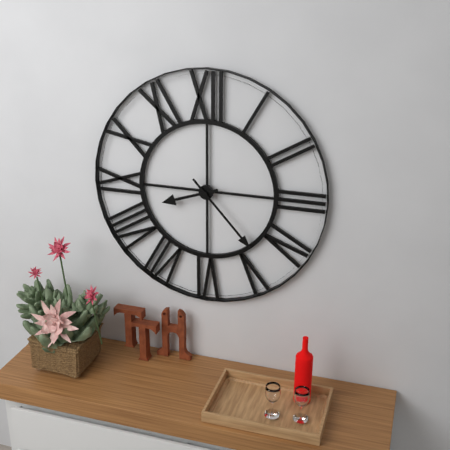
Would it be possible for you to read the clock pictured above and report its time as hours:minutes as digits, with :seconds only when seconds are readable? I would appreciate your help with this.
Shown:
8:23
